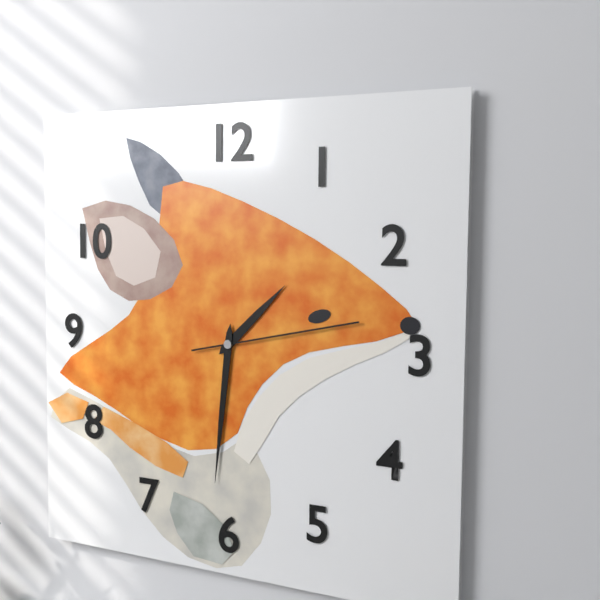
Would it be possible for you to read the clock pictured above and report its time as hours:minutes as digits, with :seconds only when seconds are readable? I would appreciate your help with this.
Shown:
1:31:13
